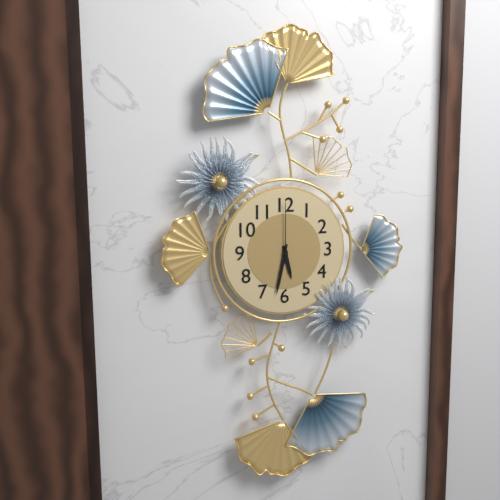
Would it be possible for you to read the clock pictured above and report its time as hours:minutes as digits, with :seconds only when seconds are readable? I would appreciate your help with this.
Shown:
5:32:00
